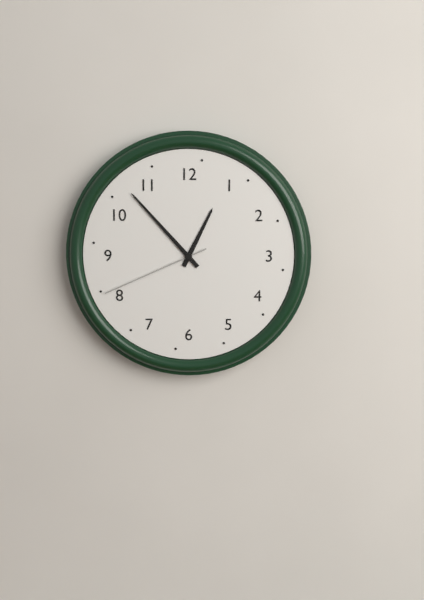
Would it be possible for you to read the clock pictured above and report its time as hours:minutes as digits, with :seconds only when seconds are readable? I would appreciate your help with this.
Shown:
12:53:41
